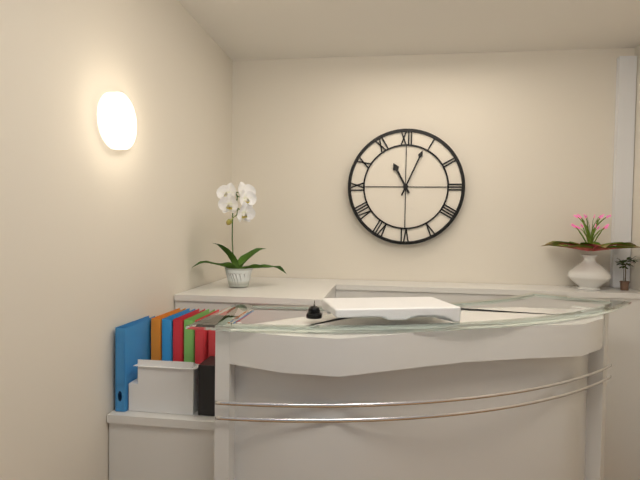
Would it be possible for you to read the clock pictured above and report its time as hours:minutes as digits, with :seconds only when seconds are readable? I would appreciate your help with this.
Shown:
11:04
